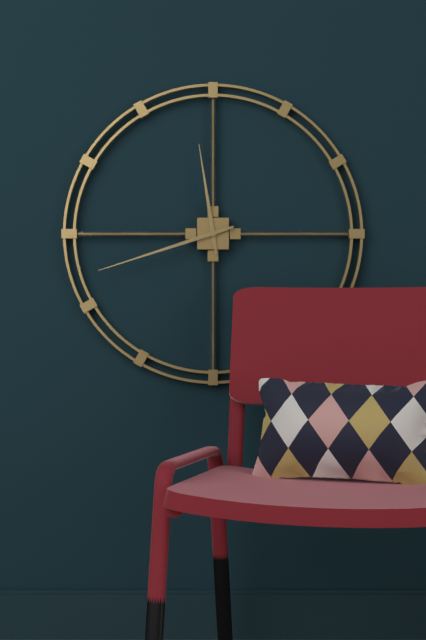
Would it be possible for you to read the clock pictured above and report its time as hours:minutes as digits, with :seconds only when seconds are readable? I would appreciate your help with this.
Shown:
11:42
